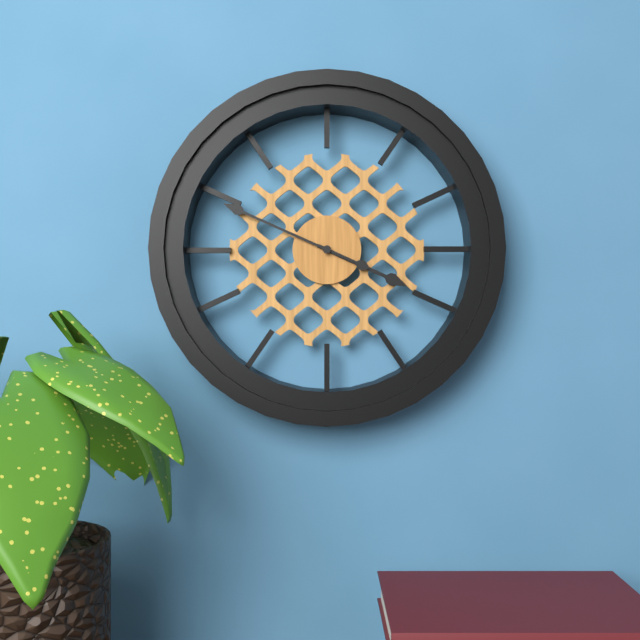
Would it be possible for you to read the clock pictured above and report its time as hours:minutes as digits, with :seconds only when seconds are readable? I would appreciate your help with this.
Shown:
3:49
